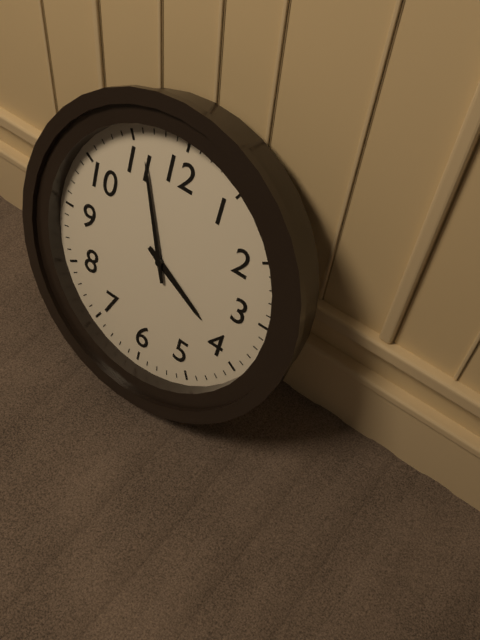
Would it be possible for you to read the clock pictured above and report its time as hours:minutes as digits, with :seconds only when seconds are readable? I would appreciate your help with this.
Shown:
3:56
